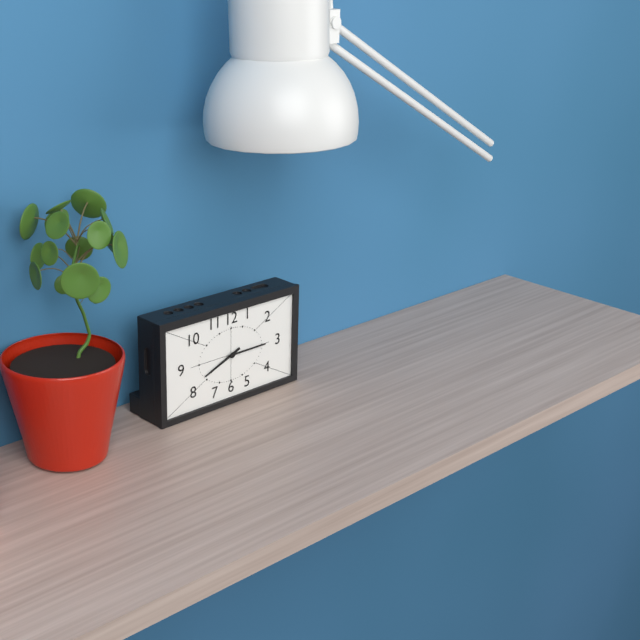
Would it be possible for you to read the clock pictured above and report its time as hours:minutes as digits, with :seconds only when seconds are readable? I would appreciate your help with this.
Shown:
8:15
